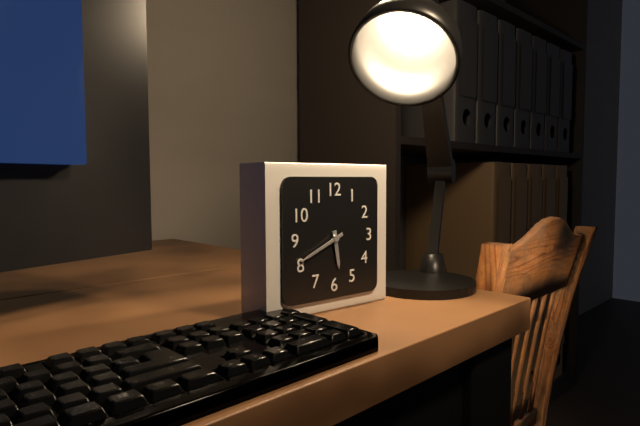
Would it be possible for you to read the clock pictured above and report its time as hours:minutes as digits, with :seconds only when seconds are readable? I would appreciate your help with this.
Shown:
5:41
